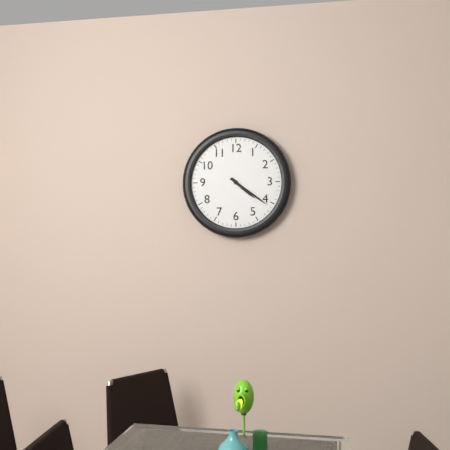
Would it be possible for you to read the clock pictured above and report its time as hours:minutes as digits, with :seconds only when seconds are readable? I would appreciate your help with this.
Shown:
4:21
